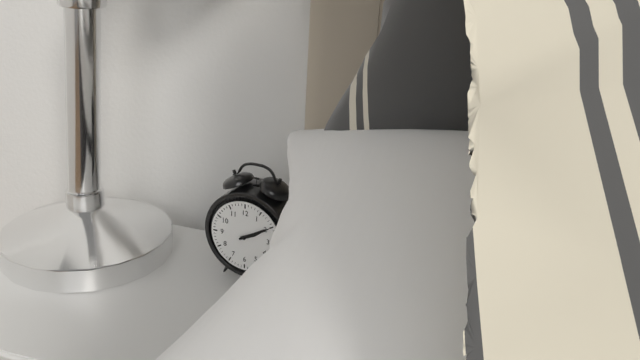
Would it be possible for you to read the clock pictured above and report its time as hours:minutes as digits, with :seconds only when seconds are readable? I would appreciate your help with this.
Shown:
2:10
